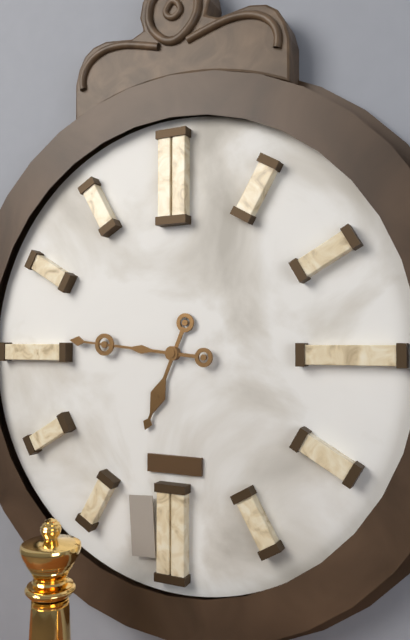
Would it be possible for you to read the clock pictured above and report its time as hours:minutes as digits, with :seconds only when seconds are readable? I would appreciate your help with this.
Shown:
6:46
